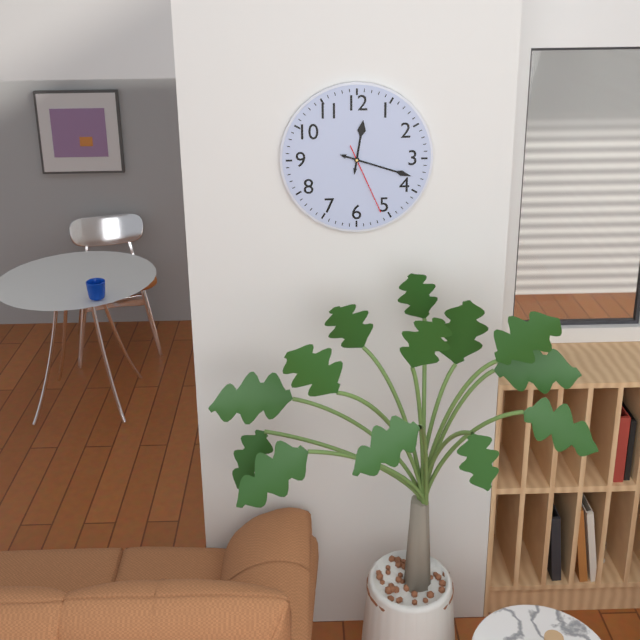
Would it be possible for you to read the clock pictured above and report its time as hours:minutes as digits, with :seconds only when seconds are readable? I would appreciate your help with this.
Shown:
12:18:26
